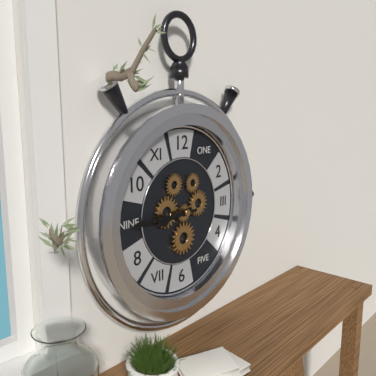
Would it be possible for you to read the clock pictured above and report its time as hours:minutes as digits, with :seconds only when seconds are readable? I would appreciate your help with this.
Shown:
8:45
